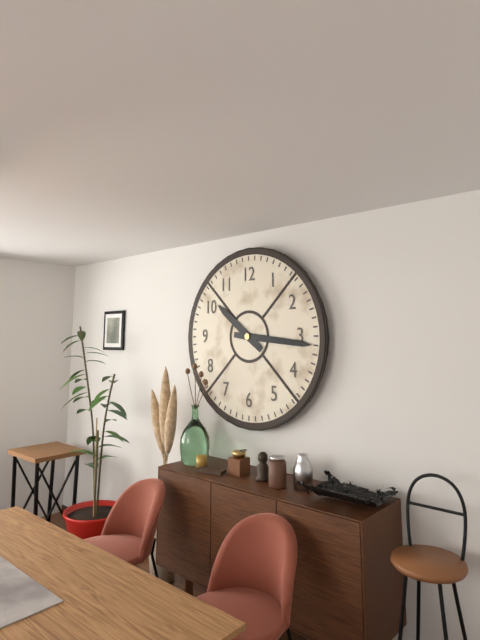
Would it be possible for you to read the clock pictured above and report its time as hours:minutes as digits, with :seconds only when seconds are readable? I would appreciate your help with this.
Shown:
10:16
